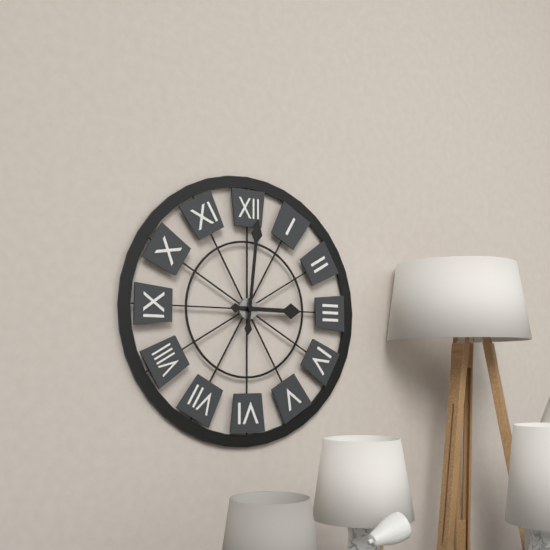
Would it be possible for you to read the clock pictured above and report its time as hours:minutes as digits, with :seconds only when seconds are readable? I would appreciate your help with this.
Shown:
3:01
